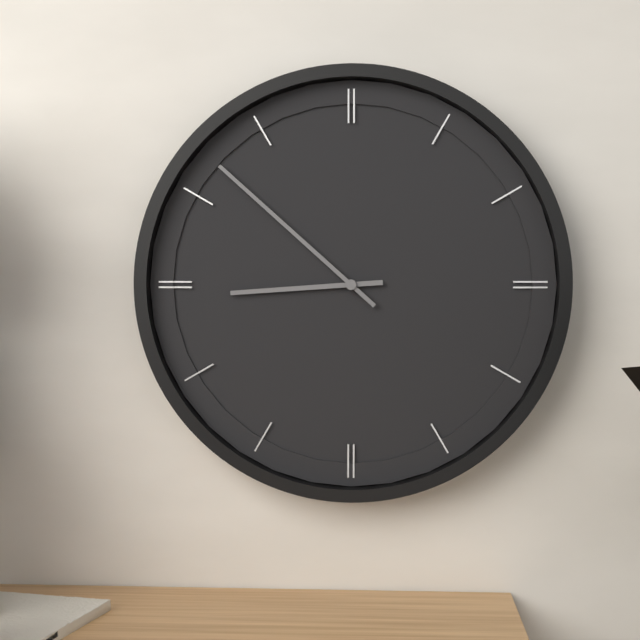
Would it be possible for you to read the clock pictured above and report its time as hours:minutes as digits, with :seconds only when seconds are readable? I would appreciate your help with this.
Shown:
8:52
